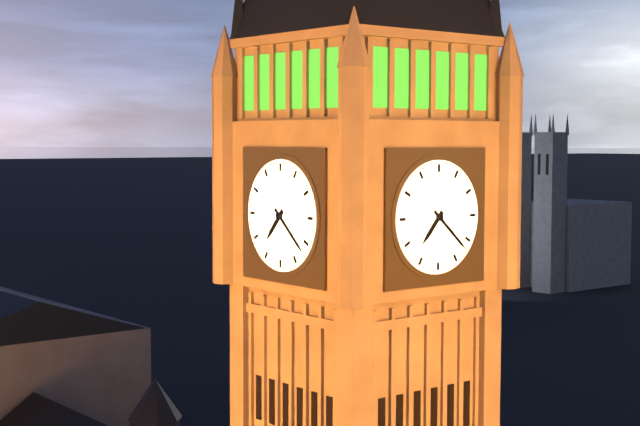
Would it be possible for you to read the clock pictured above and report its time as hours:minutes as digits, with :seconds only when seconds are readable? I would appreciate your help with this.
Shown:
7:22
